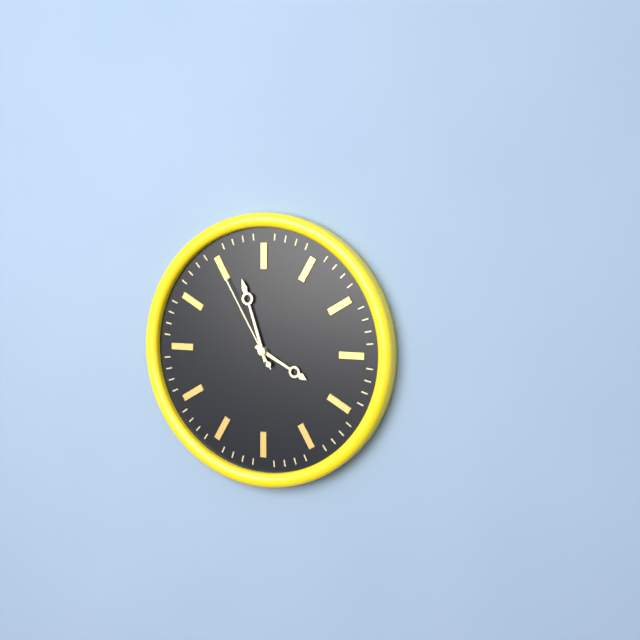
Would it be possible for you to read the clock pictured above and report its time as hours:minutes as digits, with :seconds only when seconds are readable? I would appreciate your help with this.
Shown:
3:57:55
